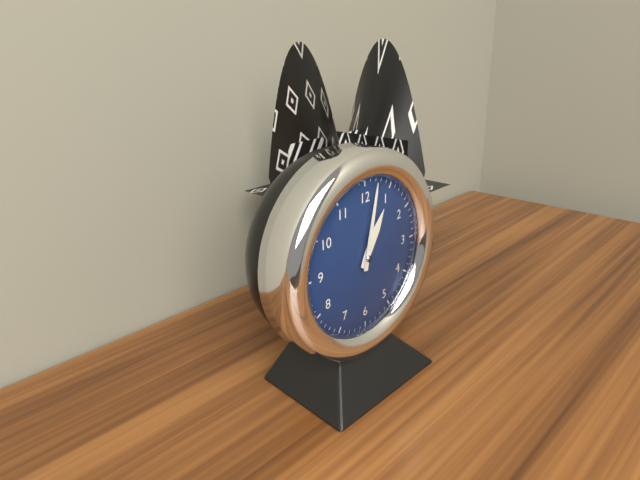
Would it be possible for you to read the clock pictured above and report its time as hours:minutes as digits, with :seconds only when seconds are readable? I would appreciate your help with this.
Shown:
1:02
